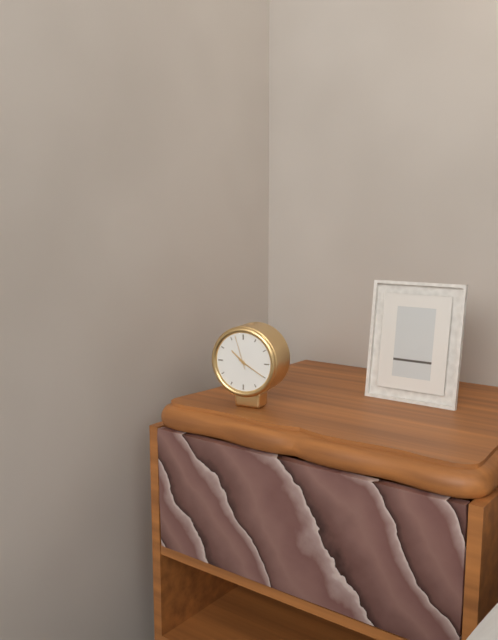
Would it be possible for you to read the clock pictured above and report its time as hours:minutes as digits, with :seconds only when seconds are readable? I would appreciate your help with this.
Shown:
10:20
